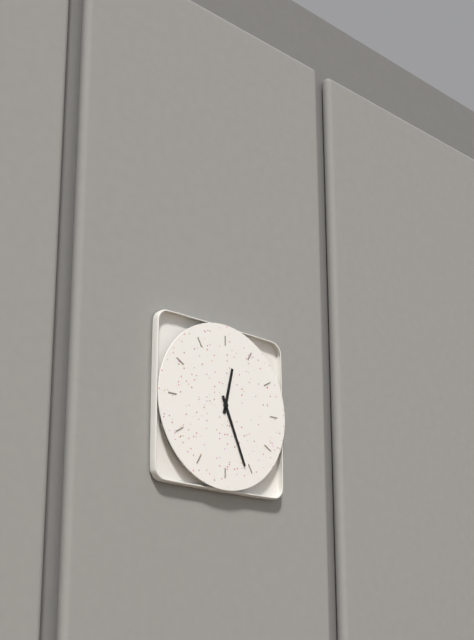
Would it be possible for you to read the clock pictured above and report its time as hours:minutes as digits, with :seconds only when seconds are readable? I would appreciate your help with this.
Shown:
12:26
